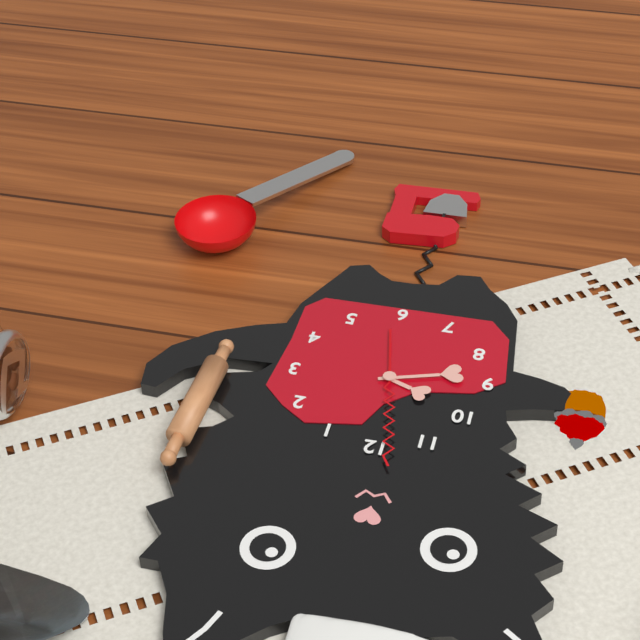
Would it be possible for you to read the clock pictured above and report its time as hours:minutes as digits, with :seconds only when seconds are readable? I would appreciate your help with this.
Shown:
9:42:58
